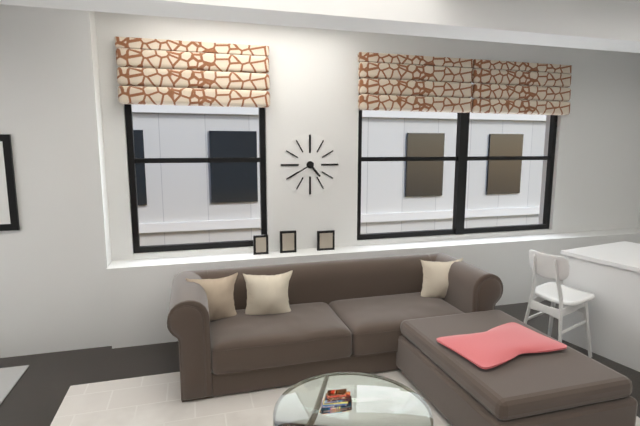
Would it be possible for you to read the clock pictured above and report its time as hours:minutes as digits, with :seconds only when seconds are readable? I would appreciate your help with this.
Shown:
4:40
